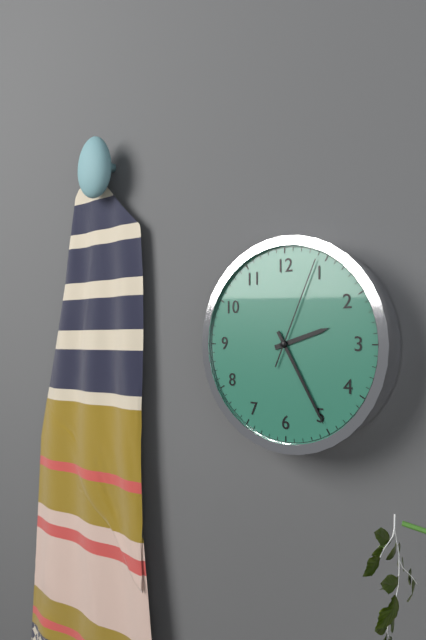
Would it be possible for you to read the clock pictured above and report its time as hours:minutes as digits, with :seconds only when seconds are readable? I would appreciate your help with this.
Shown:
2:25:04
